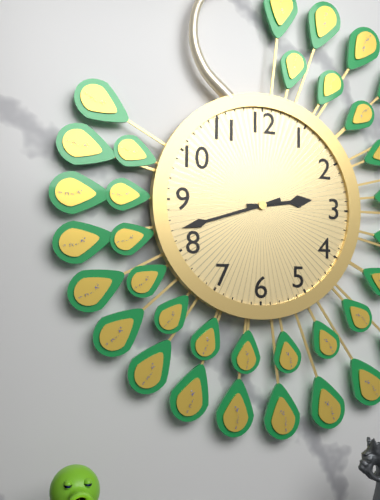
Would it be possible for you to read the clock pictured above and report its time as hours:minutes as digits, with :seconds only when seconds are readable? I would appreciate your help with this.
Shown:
2:42
